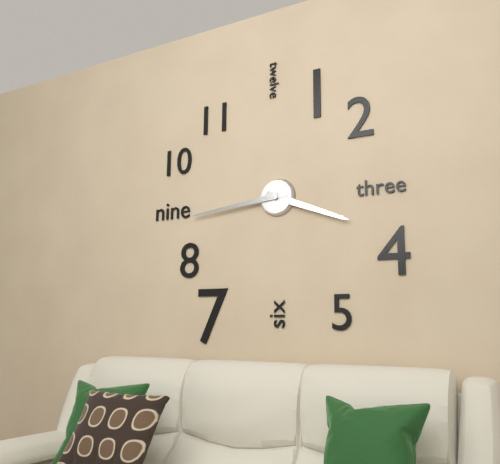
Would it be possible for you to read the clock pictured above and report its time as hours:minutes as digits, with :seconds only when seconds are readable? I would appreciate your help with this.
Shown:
3:44
